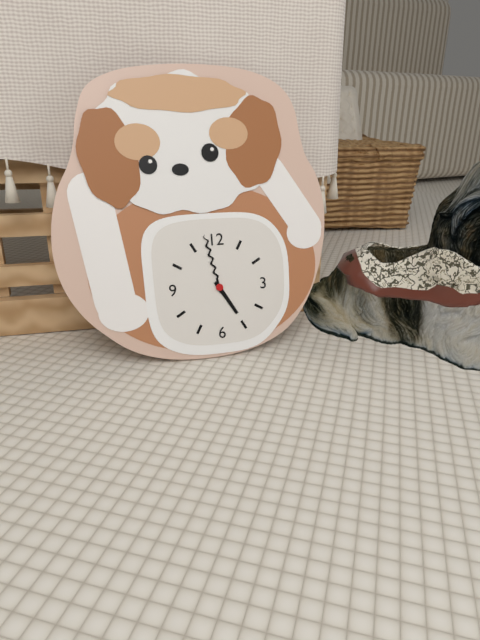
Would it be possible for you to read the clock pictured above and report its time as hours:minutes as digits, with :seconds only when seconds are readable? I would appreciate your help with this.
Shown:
4:58
